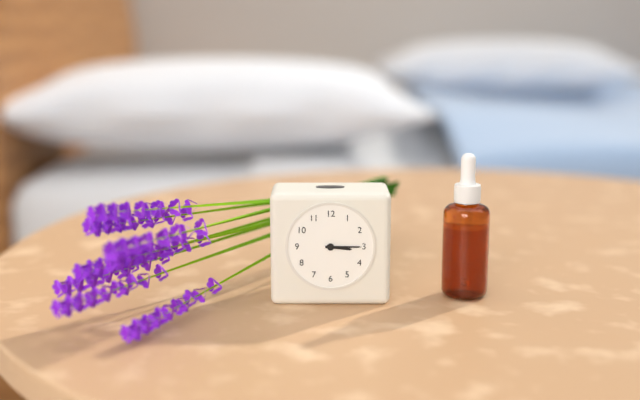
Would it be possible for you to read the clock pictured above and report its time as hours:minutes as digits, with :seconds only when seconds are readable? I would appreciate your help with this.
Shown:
3:15
